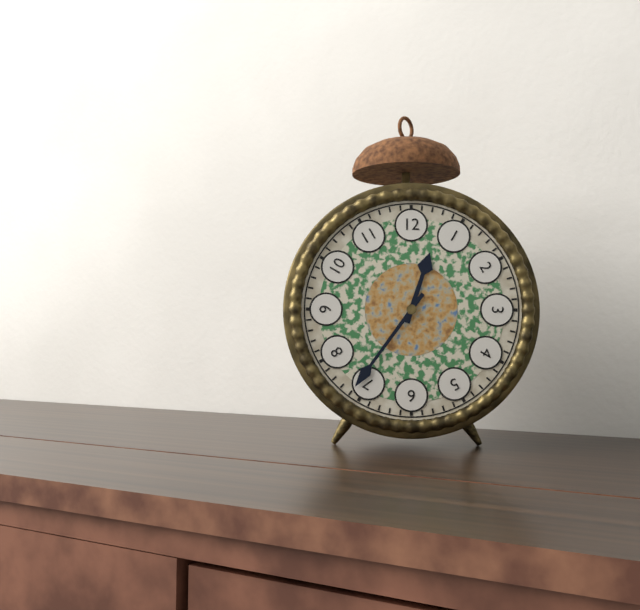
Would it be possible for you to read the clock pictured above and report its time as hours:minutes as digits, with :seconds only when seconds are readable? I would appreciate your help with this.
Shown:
12:36
